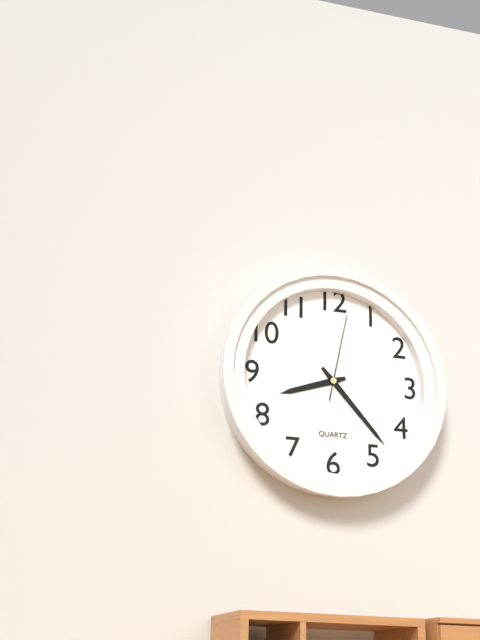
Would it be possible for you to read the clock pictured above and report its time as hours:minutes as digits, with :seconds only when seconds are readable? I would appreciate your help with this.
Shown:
8:23:02
